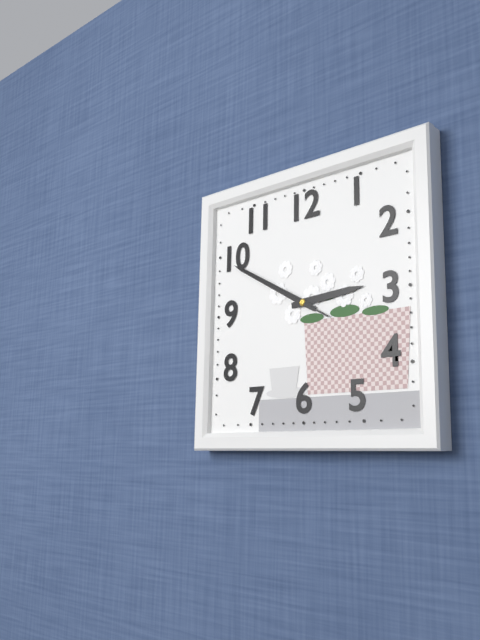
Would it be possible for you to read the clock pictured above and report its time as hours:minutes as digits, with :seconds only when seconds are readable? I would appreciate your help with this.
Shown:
2:50:50
